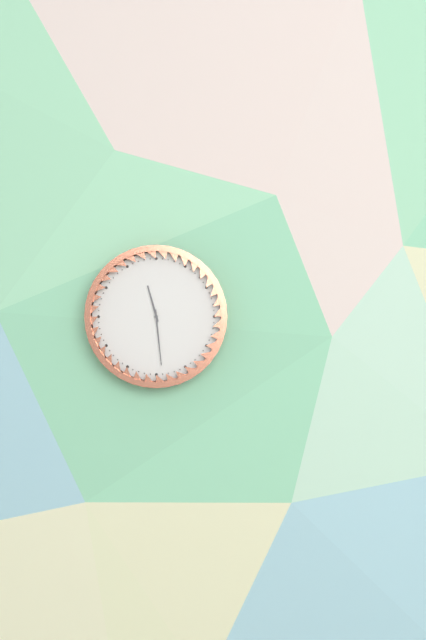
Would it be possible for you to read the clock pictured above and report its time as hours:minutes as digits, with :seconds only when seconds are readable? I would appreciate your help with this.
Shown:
11:29
